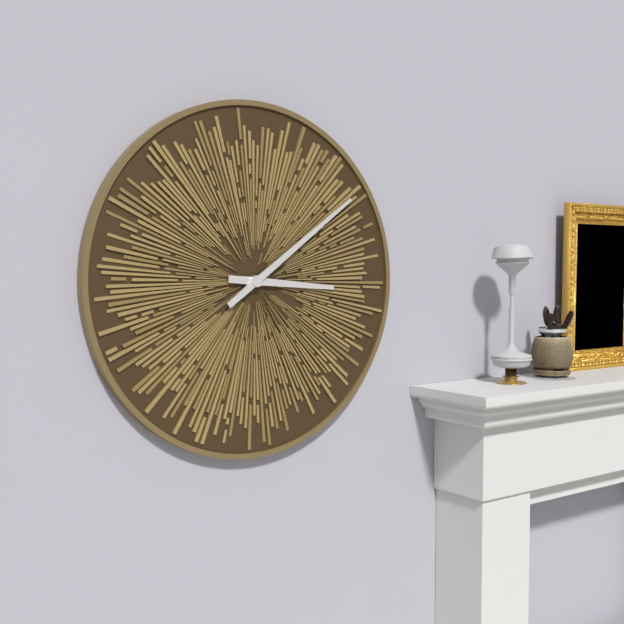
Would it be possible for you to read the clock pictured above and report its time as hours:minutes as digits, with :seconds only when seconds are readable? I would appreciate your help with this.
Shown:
3:09
